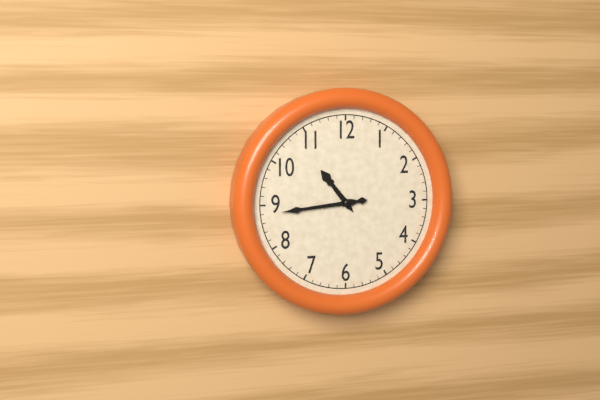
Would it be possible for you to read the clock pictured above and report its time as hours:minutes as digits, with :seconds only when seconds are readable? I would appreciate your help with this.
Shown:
10:44
